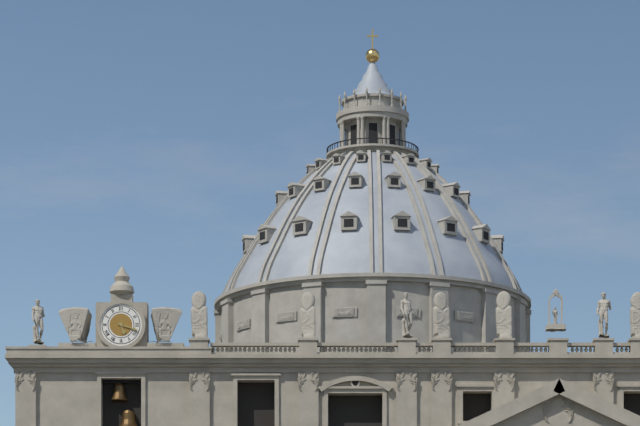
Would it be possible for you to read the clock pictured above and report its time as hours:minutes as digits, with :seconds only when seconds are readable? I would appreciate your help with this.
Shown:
5:18
